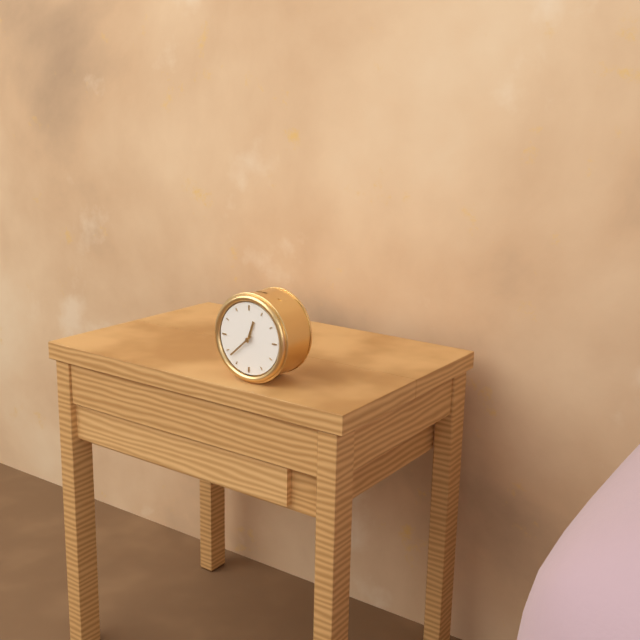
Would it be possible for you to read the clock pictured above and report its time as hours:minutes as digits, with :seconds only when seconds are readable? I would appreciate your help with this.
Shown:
12:38
